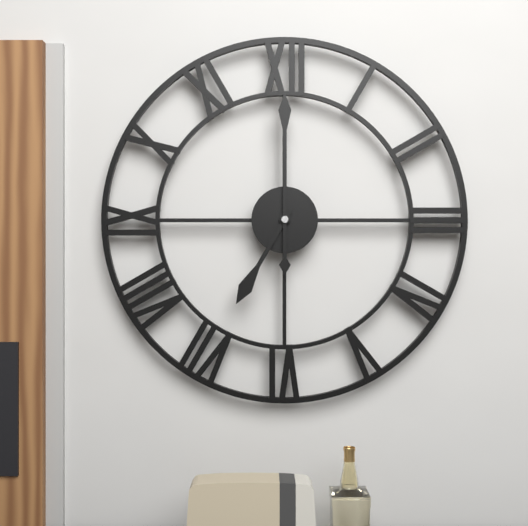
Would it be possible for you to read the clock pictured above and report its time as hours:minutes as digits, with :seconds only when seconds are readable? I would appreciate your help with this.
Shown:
7:00
